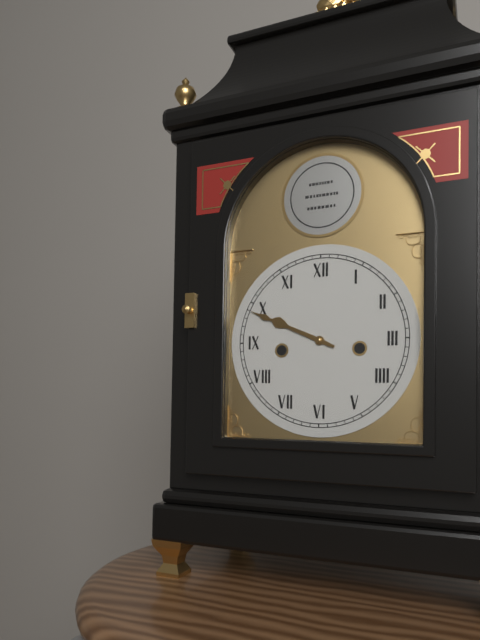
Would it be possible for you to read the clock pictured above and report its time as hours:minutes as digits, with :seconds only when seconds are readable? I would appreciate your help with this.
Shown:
9:49
